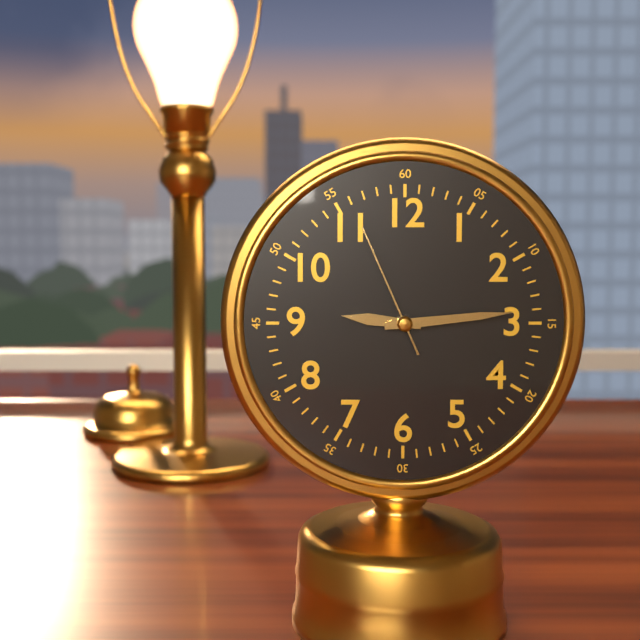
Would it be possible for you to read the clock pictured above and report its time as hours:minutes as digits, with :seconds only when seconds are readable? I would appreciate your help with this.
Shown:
9:14:56
